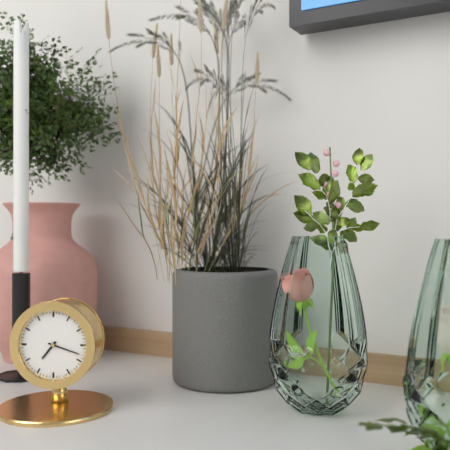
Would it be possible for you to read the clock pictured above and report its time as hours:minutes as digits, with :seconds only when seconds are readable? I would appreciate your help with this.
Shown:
7:18
